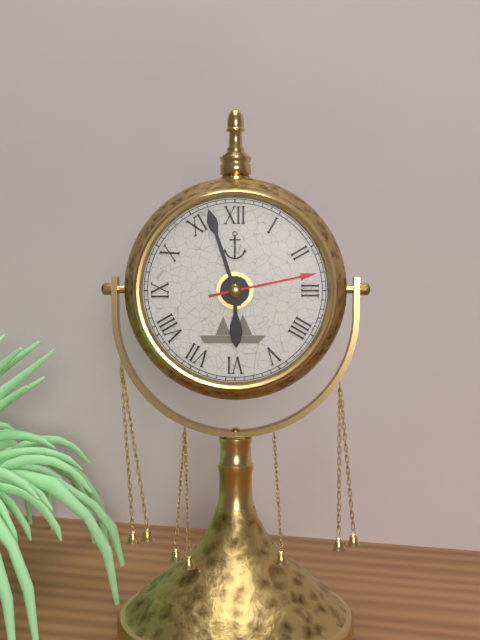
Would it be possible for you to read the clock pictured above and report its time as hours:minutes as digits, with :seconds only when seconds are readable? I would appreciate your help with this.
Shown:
5:57:13
